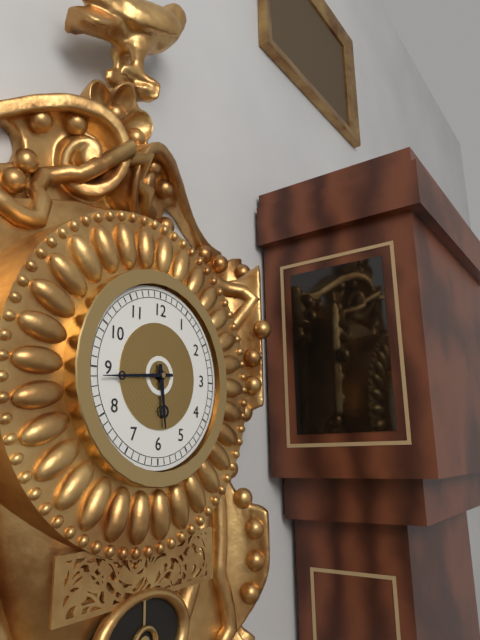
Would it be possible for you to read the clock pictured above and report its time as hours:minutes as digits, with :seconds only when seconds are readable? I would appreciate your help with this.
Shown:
5:44
